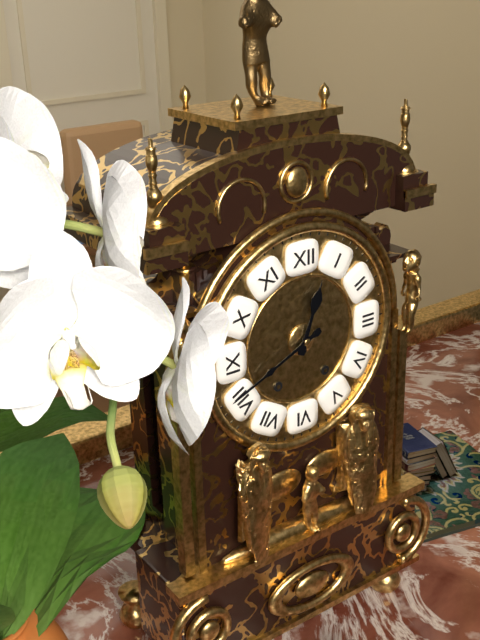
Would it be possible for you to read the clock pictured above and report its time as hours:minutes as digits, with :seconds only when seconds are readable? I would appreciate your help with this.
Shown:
12:41
